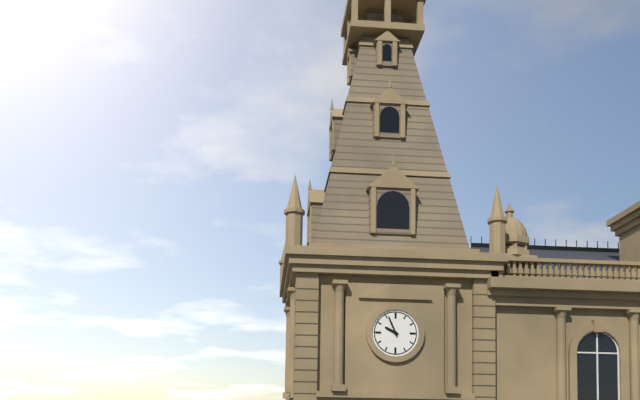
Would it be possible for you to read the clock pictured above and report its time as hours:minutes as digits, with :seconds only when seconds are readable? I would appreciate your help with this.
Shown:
9:56
